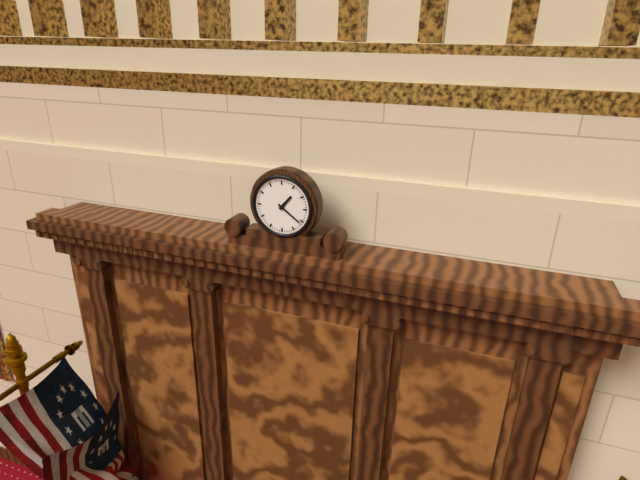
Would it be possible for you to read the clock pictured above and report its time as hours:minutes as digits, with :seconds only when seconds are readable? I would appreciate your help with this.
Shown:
1:21
